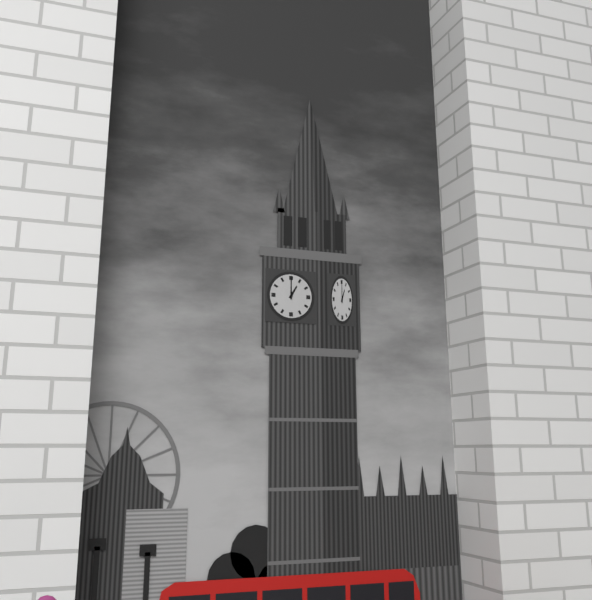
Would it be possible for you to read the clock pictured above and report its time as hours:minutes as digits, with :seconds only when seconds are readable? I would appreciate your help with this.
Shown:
1:00
